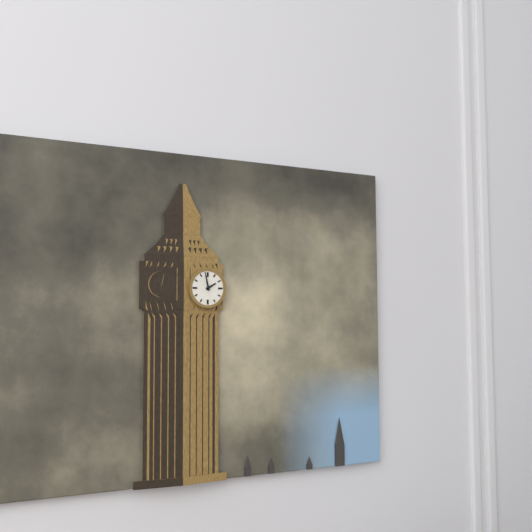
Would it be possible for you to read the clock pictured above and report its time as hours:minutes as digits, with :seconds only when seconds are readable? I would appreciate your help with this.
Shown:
1:58
